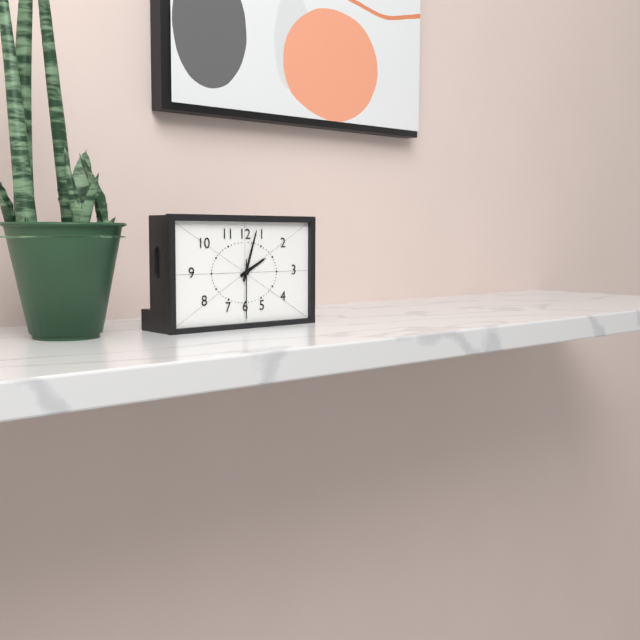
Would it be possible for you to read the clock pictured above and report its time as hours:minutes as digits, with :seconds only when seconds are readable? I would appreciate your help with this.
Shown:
2:03:30
